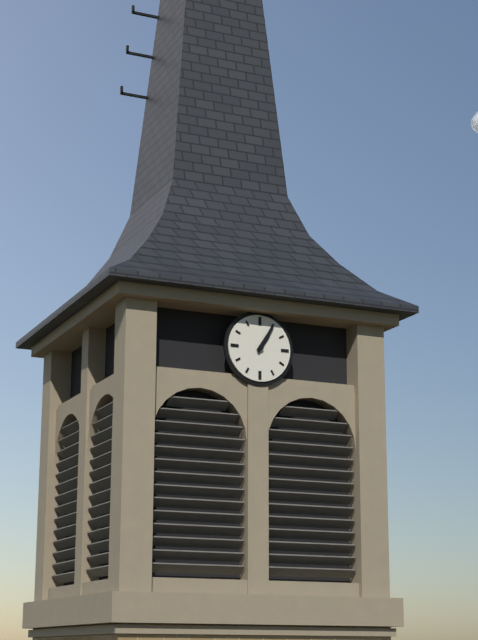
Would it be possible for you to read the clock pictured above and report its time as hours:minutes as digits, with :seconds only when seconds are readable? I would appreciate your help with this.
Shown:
1:05
